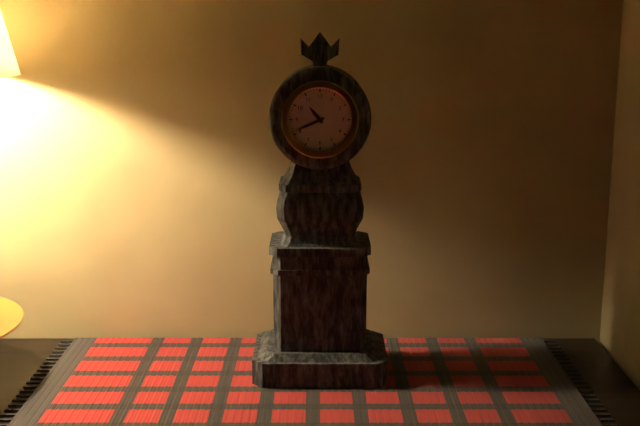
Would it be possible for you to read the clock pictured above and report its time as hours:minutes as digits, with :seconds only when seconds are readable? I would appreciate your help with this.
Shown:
10:41
